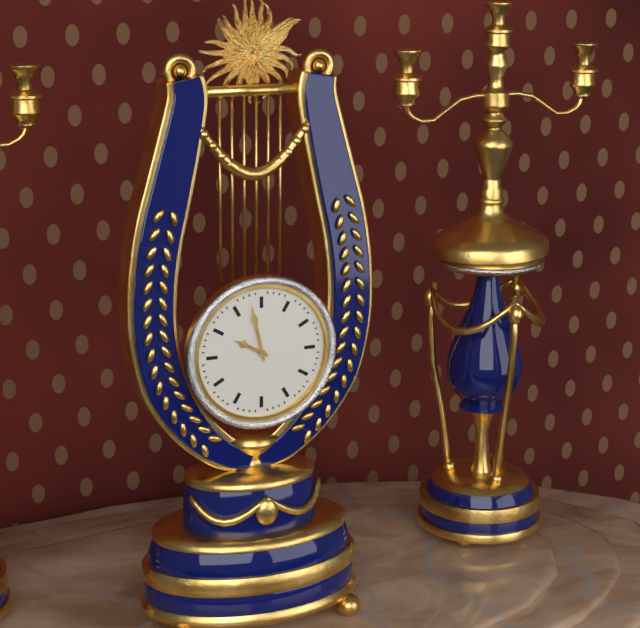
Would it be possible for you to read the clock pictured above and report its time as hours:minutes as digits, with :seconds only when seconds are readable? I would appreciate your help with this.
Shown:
9:58
